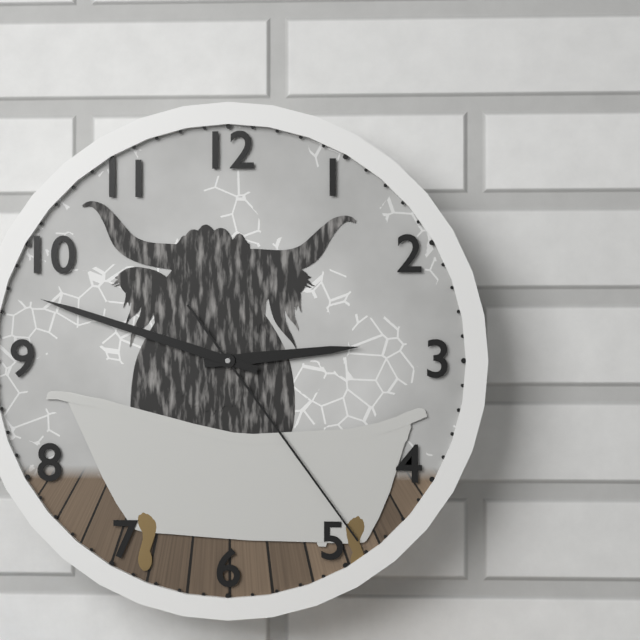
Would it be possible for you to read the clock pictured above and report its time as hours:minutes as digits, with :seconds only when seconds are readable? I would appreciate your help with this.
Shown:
2:48:24
